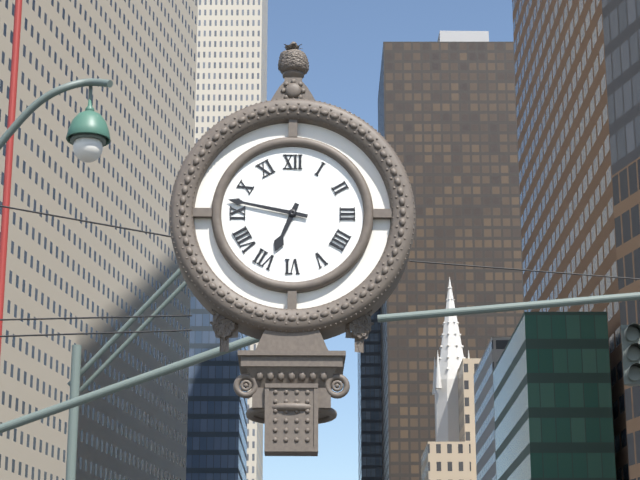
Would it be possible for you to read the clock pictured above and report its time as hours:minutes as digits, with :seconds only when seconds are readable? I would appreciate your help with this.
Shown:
6:47
